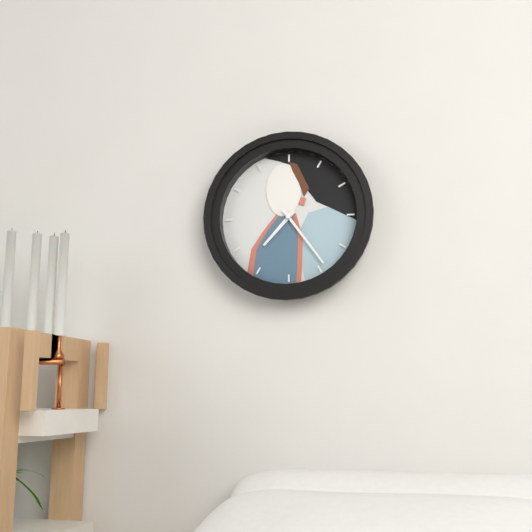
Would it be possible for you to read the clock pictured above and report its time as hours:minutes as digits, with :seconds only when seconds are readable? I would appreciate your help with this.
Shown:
7:24
